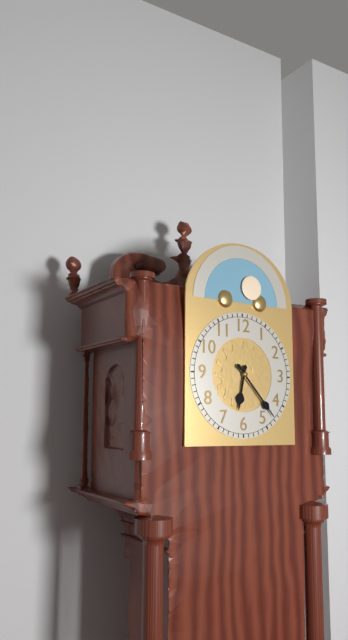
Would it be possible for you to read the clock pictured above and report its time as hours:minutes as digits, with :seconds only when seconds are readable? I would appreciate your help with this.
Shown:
6:23
